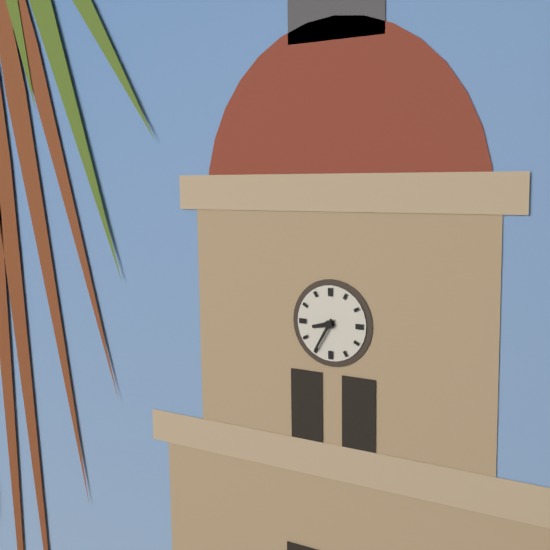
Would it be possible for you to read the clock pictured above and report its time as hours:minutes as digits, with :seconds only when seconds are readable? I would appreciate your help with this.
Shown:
8:35
